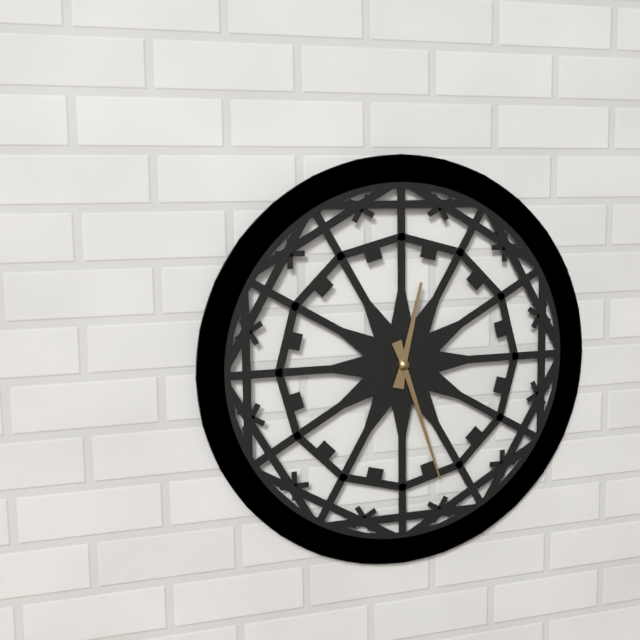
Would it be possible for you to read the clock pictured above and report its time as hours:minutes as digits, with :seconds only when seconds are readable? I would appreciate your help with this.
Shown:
12:27
